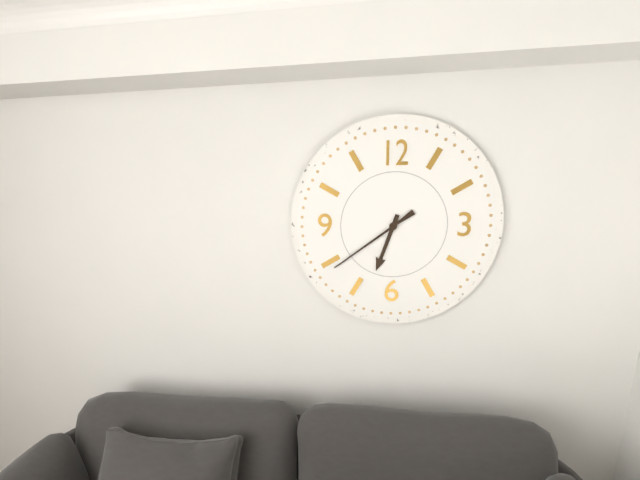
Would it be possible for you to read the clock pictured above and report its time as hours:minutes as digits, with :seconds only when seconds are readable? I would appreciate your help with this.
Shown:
6:39
